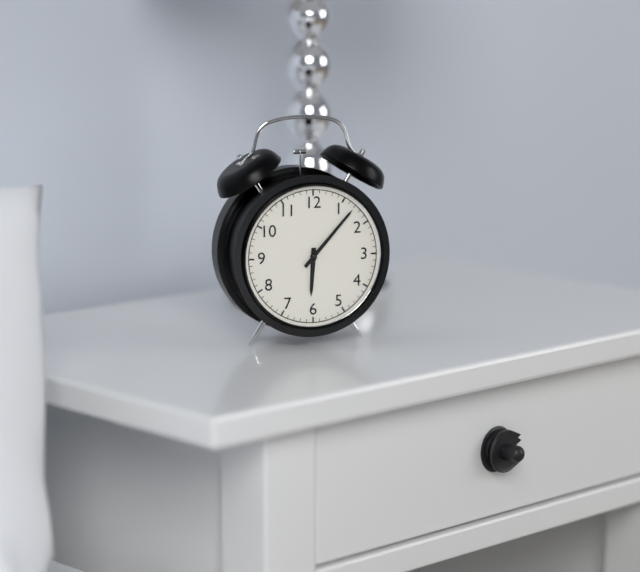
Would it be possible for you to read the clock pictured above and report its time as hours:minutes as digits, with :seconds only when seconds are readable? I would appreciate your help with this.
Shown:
6:07
